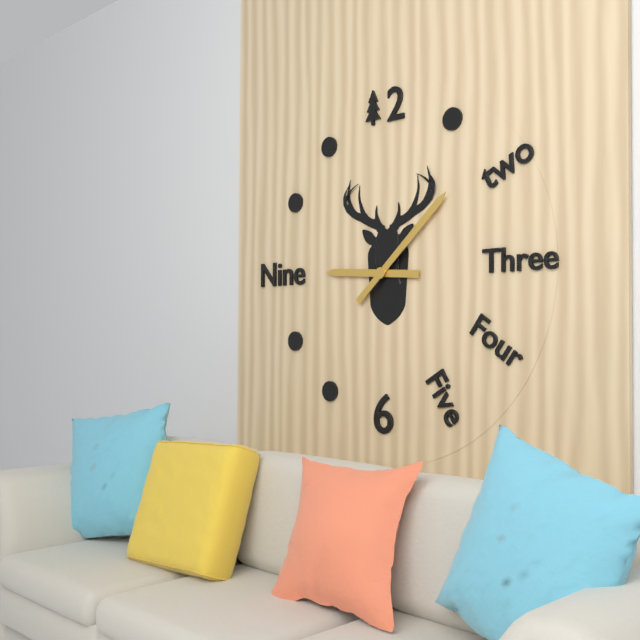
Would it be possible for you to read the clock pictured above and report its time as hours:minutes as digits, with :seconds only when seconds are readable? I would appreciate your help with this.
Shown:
9:08
